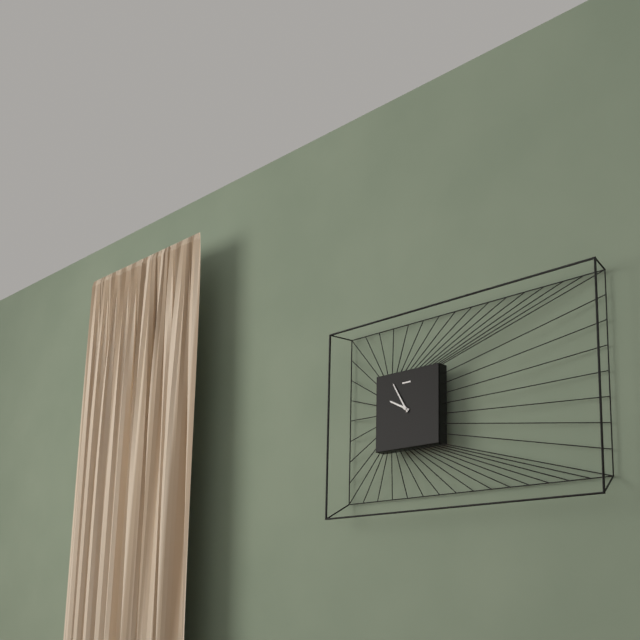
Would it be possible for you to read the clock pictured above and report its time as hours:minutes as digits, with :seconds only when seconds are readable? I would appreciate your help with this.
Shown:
9:55
